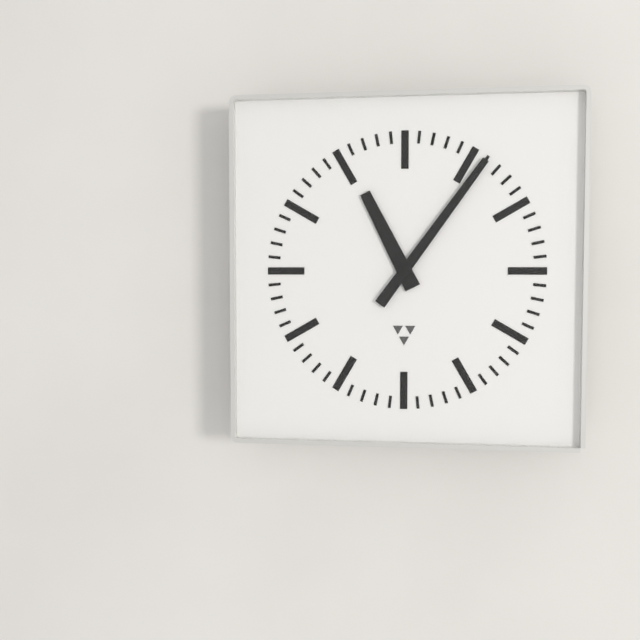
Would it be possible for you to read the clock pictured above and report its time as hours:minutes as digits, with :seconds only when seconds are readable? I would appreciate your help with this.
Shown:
11:06
